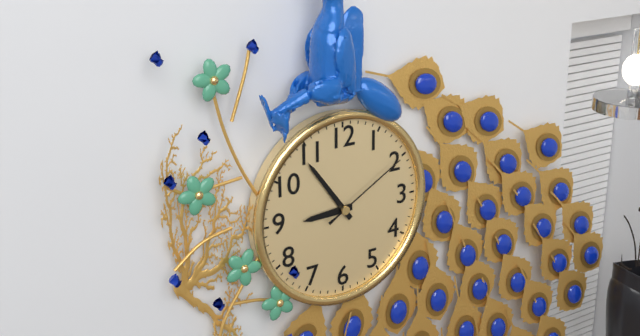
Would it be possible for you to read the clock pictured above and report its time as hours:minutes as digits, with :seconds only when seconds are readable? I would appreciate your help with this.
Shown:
8:54:10
